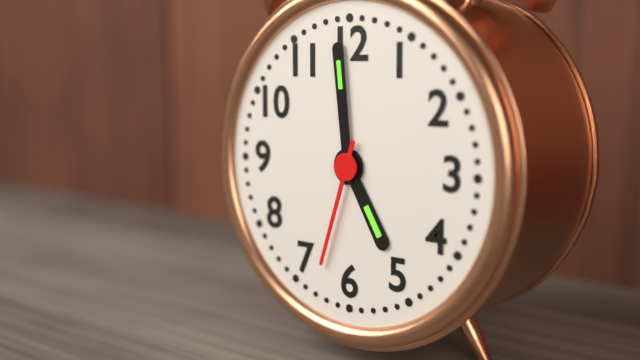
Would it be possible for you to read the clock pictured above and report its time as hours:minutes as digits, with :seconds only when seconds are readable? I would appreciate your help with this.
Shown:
4:59:33
